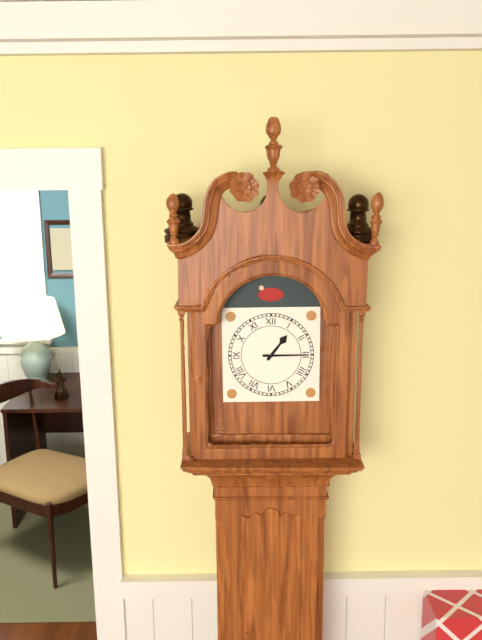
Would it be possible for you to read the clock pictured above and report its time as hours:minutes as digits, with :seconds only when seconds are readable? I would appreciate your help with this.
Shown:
1:15
